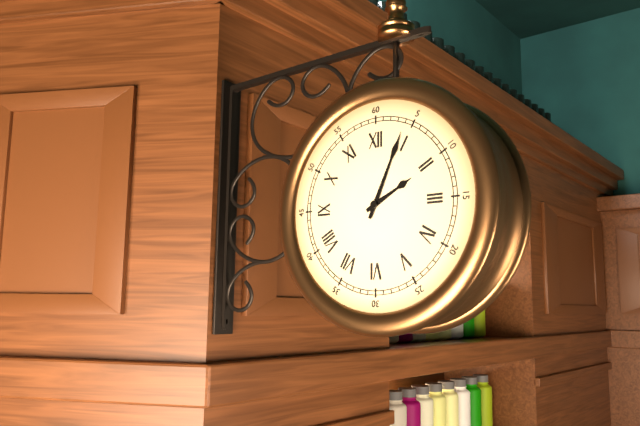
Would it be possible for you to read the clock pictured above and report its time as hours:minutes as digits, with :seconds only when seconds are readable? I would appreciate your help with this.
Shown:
2:04
